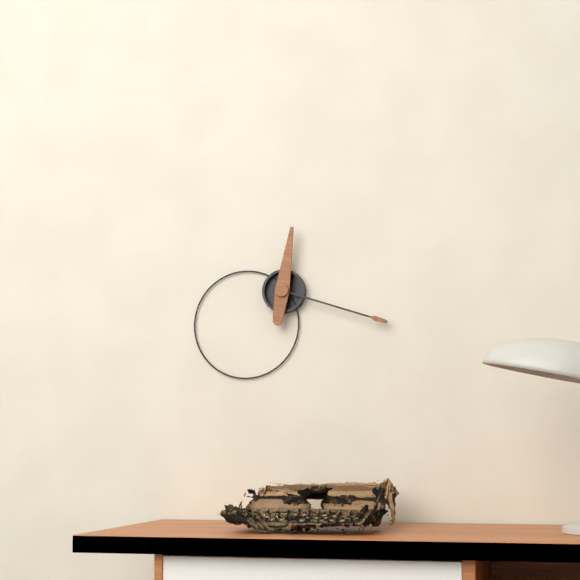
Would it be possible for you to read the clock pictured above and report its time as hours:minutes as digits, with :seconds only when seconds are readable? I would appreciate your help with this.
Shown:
12:18
